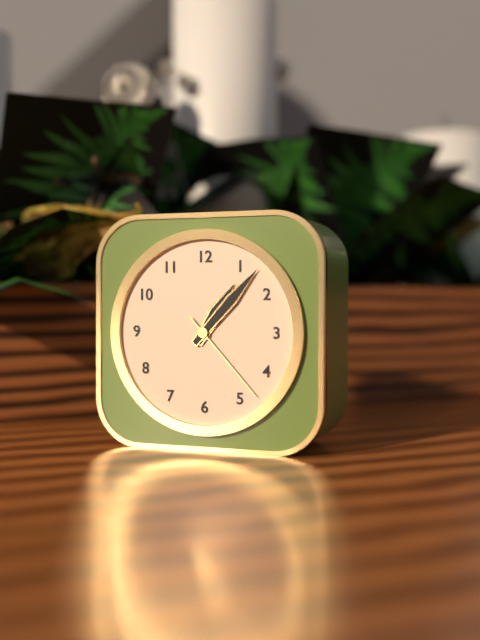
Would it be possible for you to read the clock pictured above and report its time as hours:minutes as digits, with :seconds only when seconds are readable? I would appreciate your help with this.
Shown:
1:07:23
